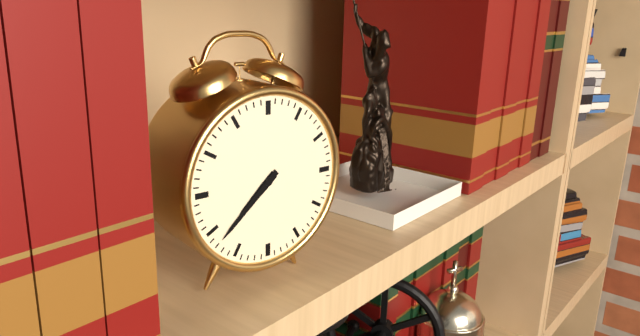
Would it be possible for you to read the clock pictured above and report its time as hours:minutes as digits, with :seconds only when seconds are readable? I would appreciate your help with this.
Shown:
7:38
